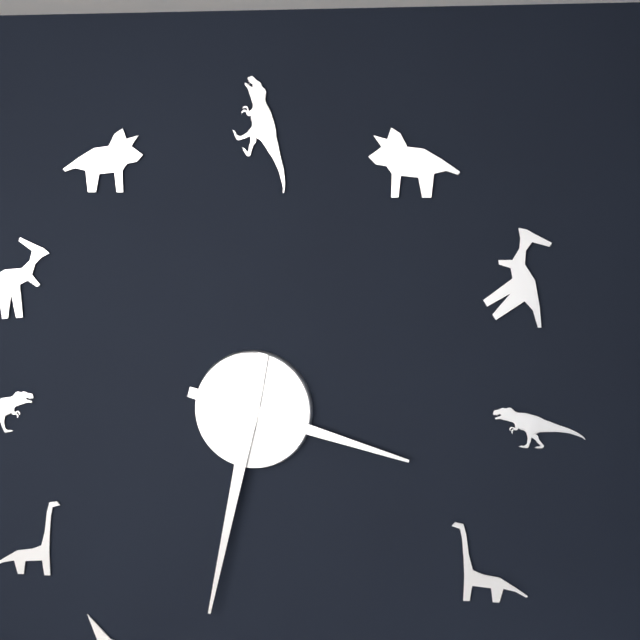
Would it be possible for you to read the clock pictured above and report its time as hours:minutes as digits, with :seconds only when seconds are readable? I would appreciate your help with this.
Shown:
3:32
